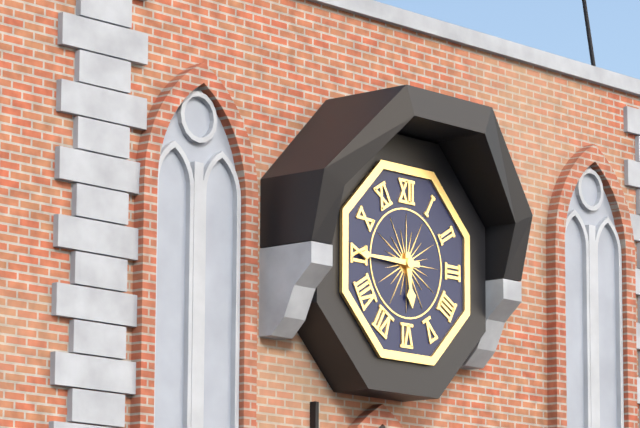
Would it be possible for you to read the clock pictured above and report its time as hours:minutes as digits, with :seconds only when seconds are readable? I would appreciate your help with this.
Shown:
5:45
